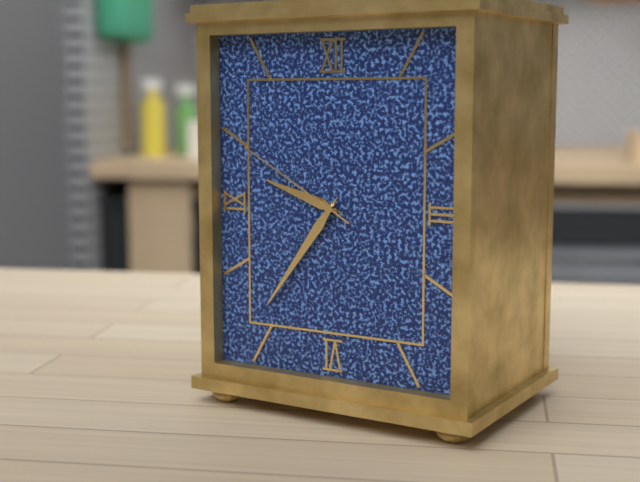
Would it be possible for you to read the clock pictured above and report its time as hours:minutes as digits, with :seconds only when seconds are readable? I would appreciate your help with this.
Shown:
9:36:50
